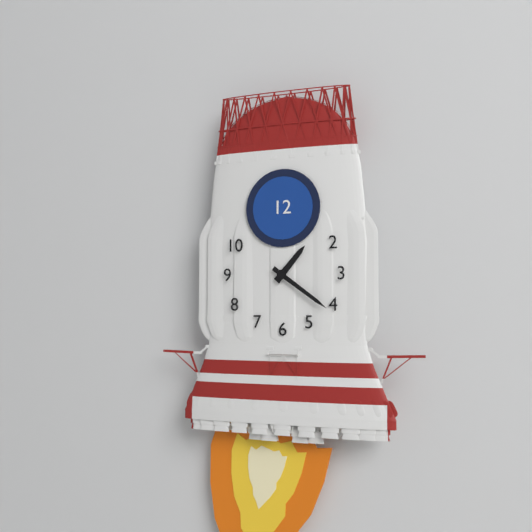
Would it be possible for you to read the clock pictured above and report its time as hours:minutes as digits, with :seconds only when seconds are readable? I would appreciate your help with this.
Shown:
1:21
